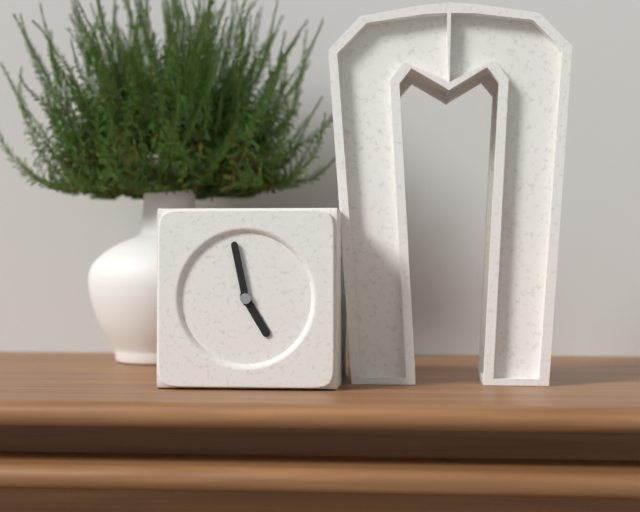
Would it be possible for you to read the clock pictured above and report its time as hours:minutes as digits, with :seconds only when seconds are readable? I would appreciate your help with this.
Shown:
4:58
